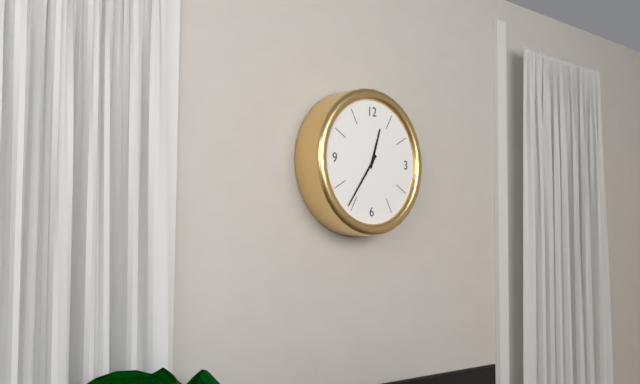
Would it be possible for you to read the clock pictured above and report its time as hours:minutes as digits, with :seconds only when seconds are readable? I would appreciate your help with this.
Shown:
12:36
